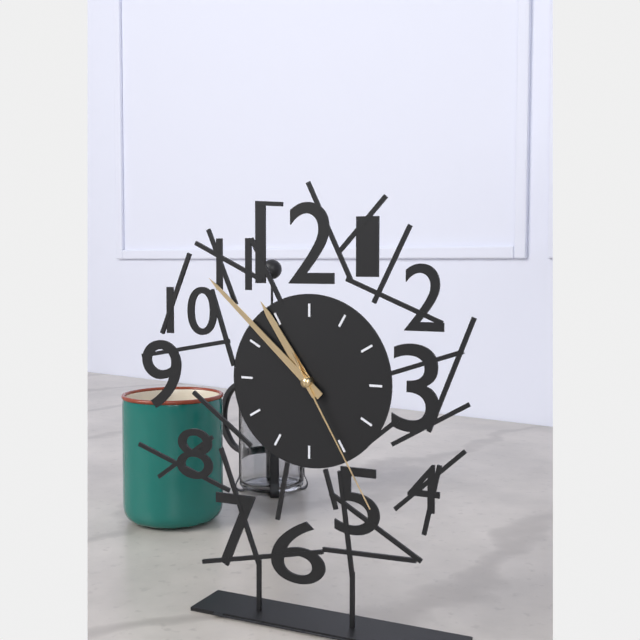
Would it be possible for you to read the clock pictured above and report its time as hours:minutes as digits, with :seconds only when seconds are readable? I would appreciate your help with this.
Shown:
10:52:25
